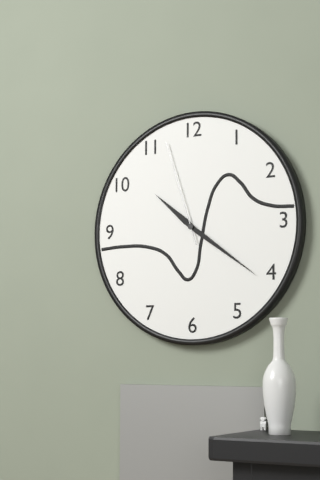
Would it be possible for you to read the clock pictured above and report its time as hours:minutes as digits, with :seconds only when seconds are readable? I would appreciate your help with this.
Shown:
10:21:57
